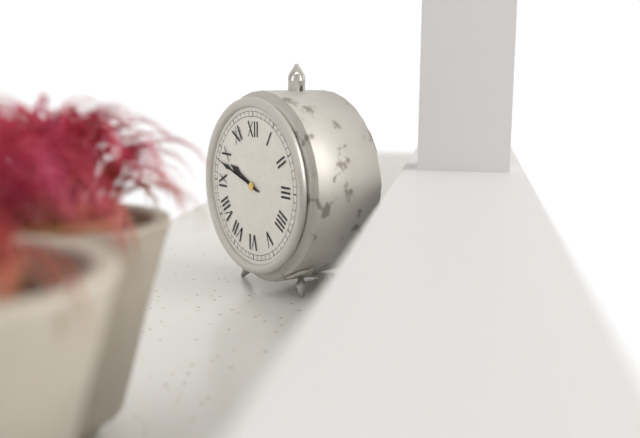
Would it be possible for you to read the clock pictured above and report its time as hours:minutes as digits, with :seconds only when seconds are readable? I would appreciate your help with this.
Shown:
9:48
